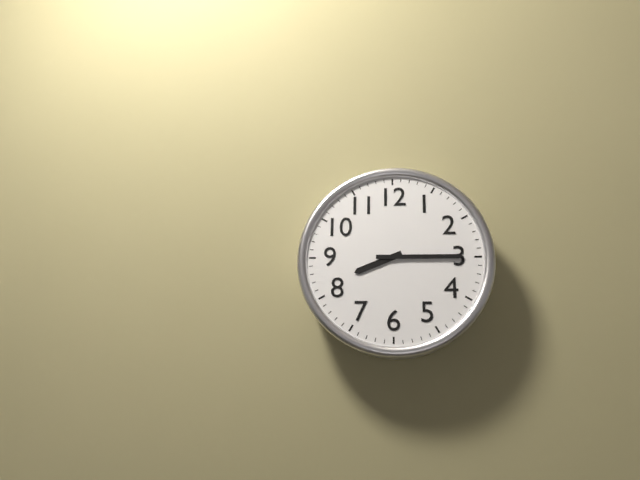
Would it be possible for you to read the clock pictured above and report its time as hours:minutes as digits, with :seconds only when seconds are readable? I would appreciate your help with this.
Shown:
8:15
